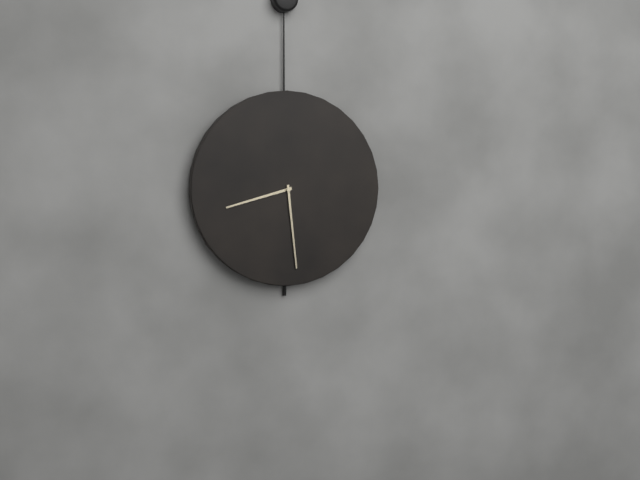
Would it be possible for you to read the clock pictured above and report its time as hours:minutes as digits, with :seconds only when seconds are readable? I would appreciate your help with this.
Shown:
8:29
